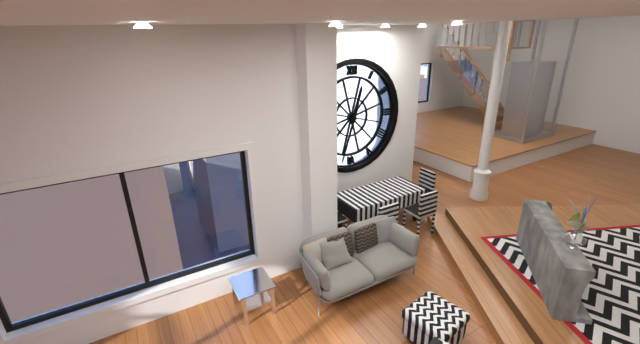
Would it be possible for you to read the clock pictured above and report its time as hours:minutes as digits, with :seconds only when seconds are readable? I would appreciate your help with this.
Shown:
12:33
